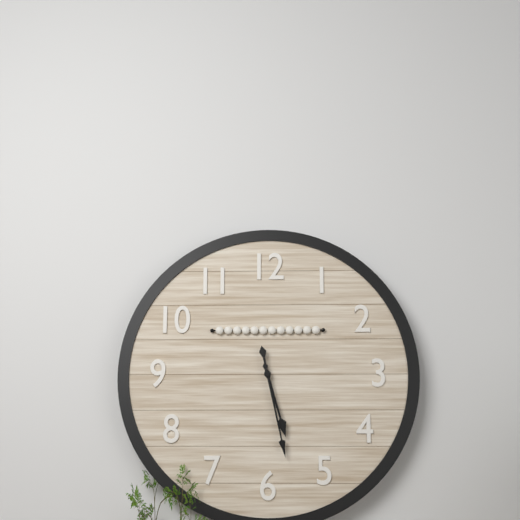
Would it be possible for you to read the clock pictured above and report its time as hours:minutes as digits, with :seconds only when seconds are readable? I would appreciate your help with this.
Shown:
5:28
